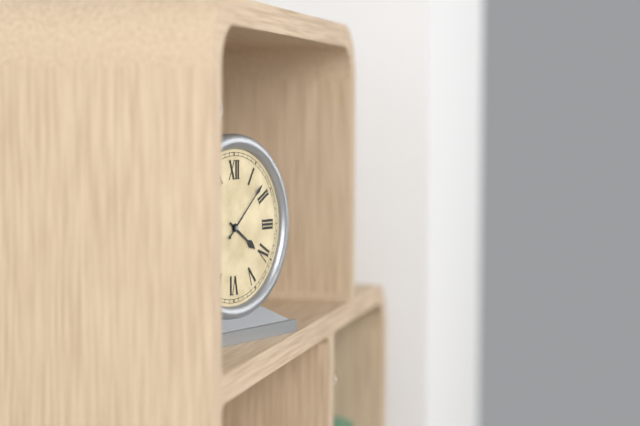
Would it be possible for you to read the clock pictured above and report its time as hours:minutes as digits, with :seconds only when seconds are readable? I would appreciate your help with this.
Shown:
4:08
